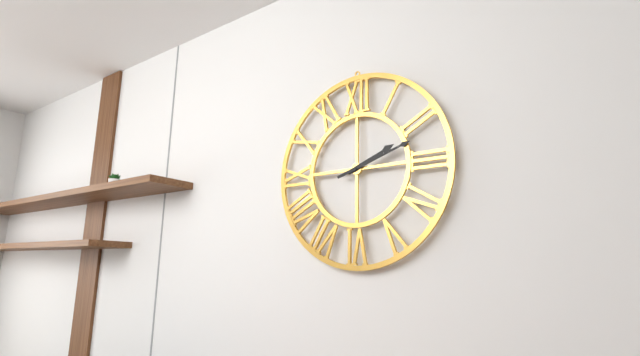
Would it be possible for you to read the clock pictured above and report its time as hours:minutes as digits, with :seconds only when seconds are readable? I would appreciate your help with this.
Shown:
2:12
